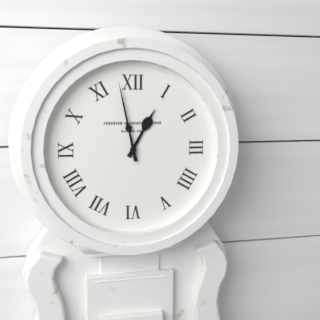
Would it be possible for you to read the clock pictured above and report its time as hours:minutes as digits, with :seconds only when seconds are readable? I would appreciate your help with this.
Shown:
12:58
